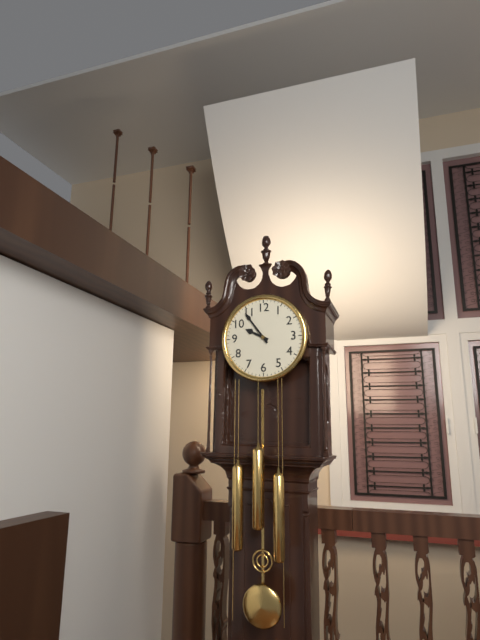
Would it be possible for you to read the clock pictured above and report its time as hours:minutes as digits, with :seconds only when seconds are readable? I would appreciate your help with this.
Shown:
9:54
